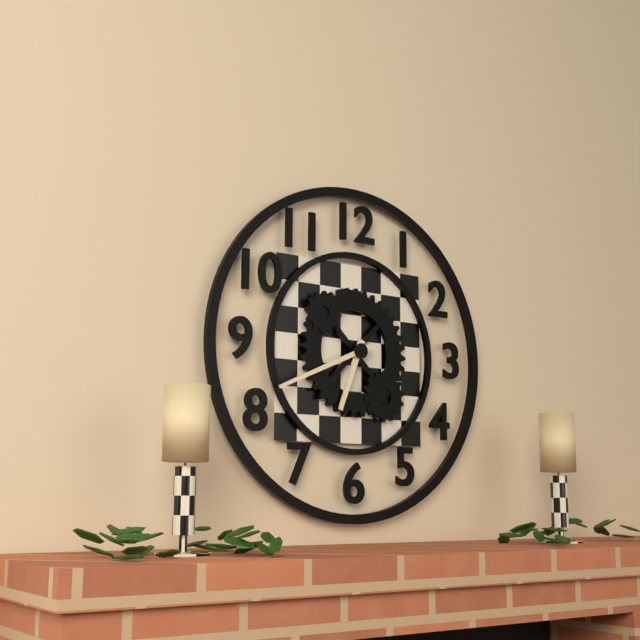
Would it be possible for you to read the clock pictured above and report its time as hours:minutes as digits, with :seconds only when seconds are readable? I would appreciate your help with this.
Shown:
6:41
